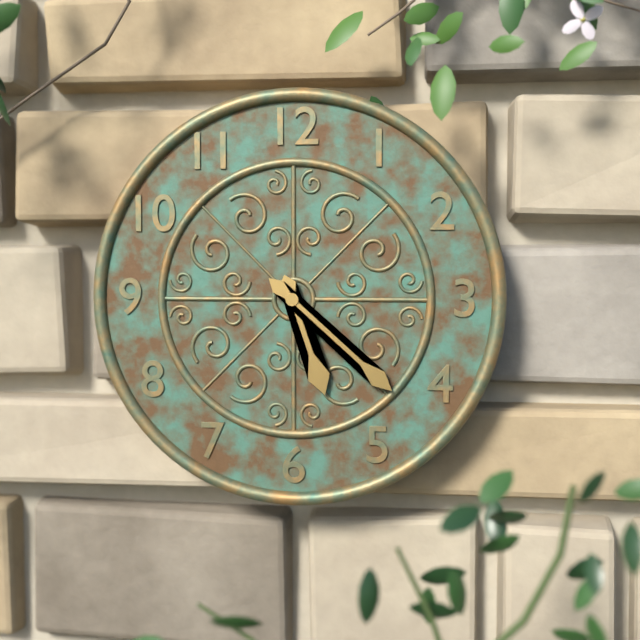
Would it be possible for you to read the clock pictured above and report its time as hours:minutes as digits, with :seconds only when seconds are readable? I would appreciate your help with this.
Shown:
5:22
